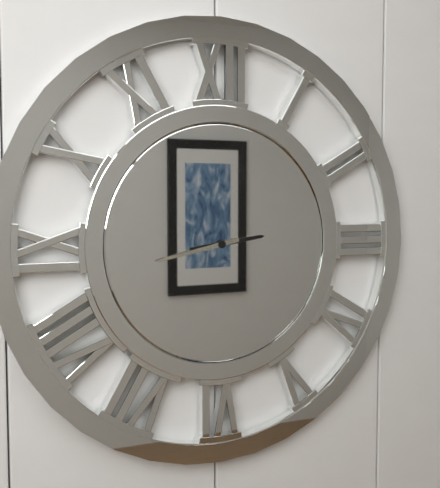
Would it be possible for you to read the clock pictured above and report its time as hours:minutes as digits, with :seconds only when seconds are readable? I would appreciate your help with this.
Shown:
2:43
